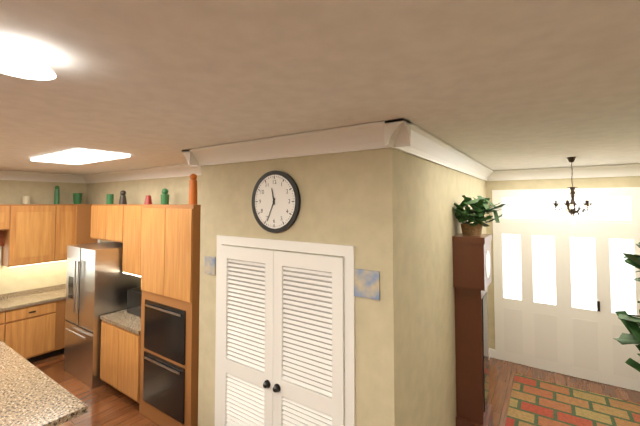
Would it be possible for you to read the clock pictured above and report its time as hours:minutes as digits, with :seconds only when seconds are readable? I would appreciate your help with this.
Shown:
11:34
